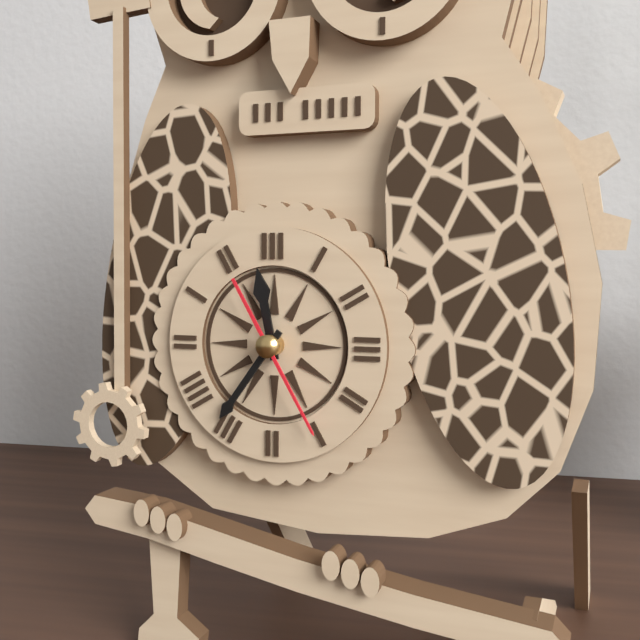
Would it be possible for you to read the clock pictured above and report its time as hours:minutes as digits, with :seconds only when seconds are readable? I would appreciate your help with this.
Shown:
11:36:25
